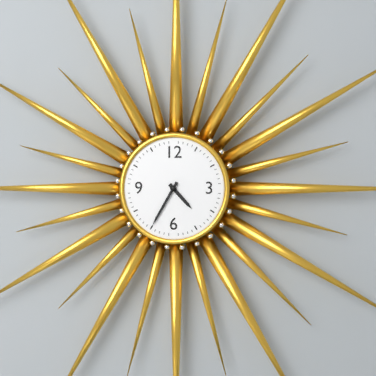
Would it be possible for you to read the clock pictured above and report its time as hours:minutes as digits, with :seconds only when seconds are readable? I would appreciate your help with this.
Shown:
4:35
